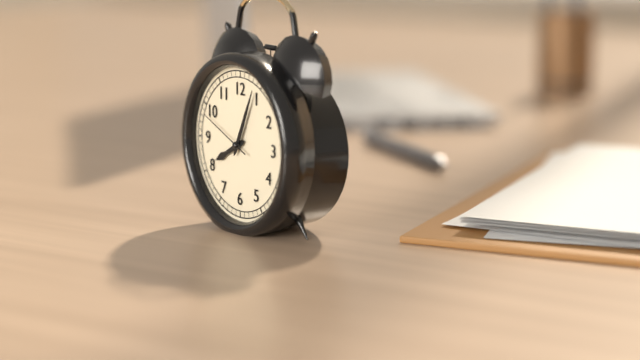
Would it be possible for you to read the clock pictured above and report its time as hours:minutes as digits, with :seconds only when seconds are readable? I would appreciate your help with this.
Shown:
8:04:49
